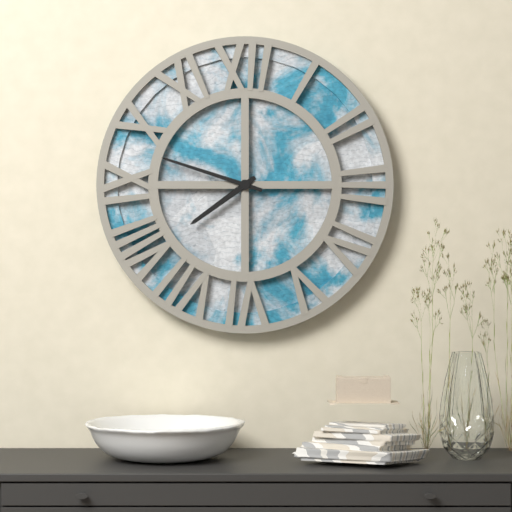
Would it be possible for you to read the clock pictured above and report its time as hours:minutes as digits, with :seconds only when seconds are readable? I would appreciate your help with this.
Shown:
7:48
